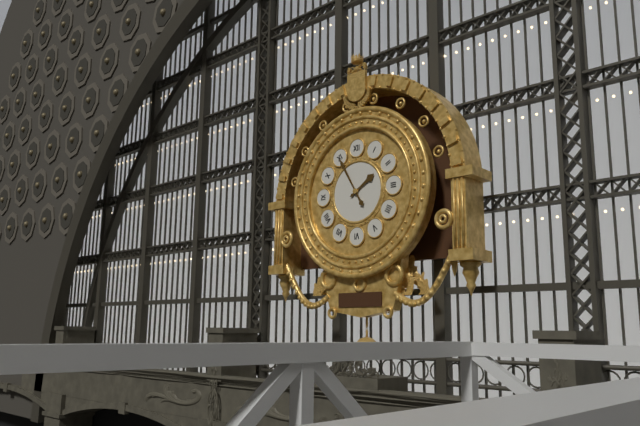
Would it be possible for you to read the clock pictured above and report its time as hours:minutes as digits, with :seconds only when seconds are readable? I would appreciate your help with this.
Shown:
1:55
